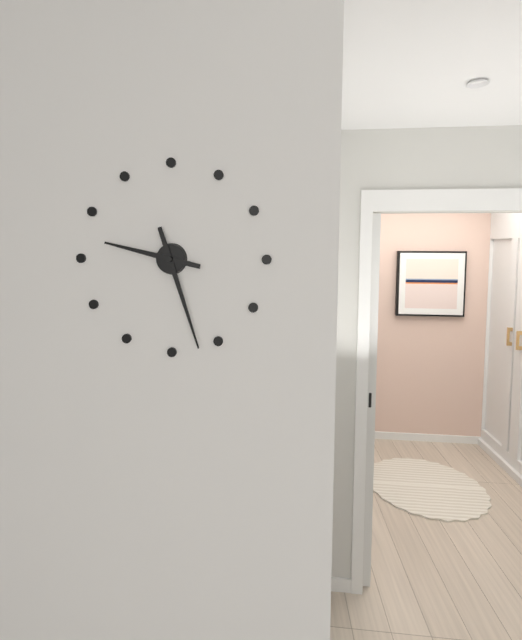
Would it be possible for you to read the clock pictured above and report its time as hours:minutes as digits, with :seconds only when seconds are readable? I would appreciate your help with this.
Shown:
9:27
